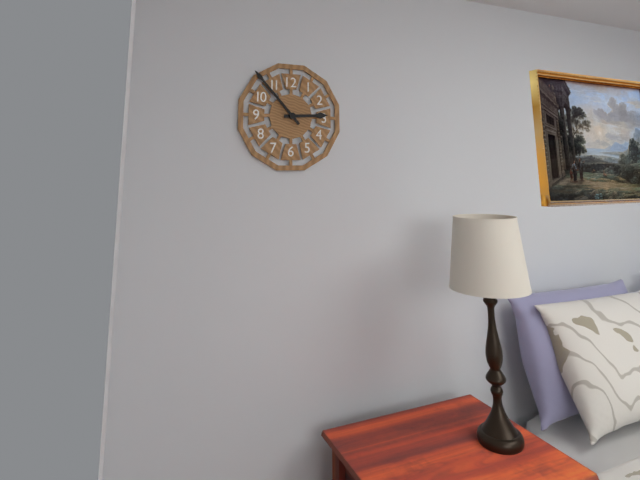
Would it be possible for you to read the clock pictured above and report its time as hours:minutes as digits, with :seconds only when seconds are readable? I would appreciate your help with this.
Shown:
2:53
